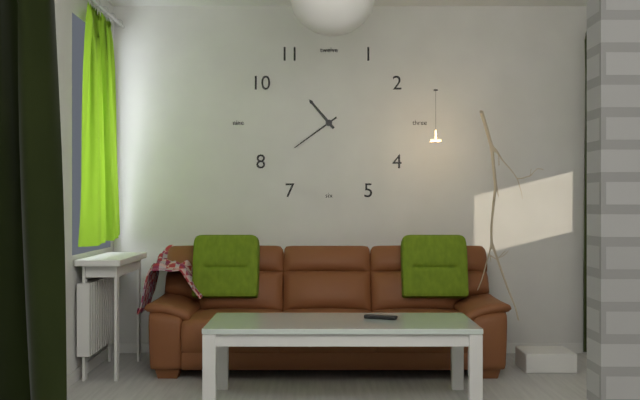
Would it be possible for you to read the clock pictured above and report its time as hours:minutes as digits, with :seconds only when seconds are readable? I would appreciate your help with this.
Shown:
10:39
